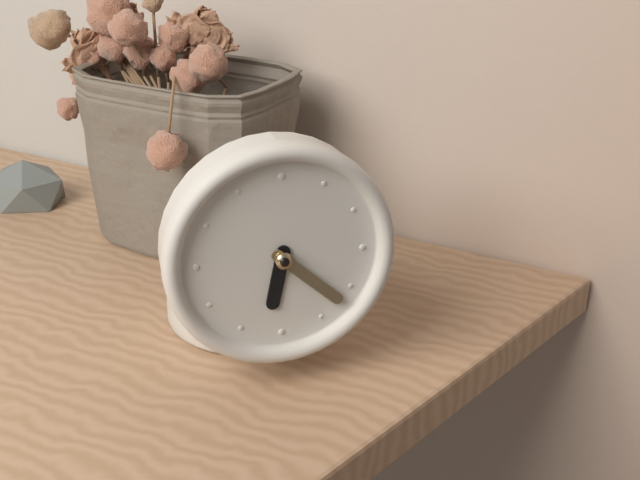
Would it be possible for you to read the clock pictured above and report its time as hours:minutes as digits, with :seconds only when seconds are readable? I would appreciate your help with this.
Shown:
6:22
